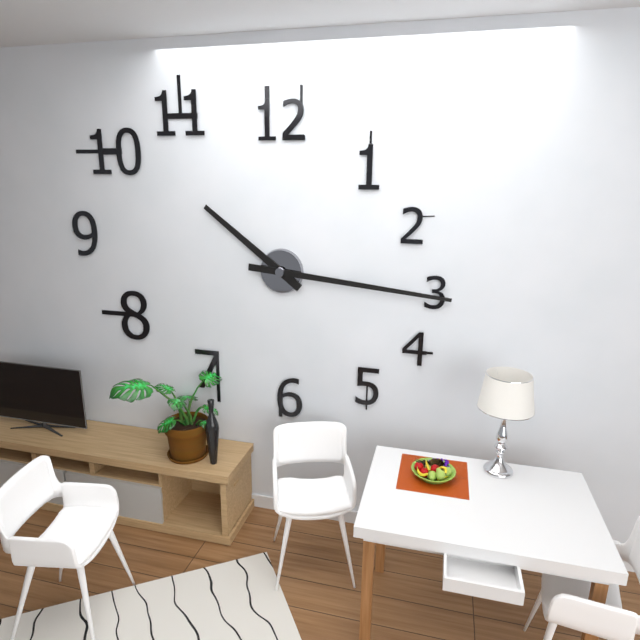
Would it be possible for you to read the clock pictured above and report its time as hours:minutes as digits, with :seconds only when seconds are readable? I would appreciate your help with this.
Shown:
10:16
